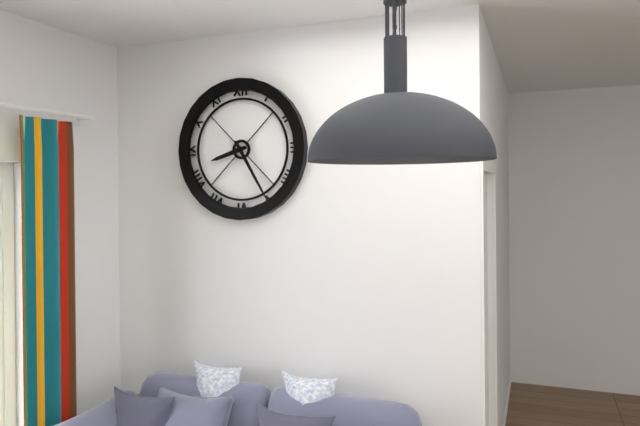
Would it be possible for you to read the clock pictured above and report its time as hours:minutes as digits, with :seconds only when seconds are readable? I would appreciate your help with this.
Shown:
8:25
